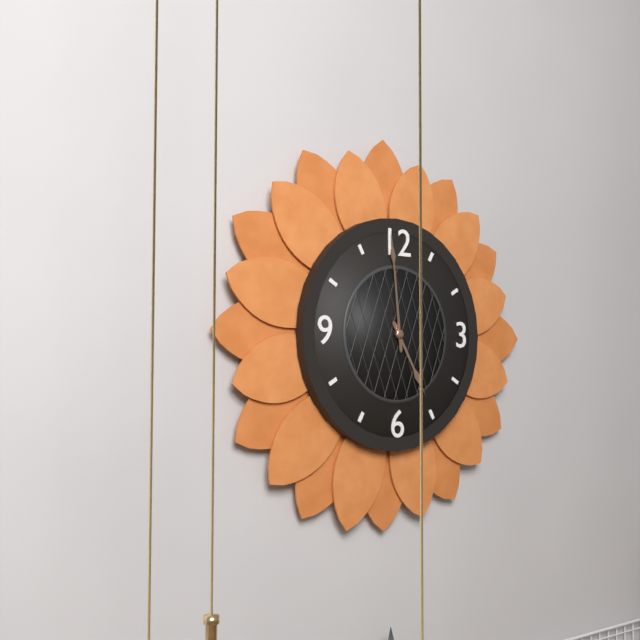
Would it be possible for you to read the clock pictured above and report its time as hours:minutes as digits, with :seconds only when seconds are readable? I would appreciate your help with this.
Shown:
4:59
